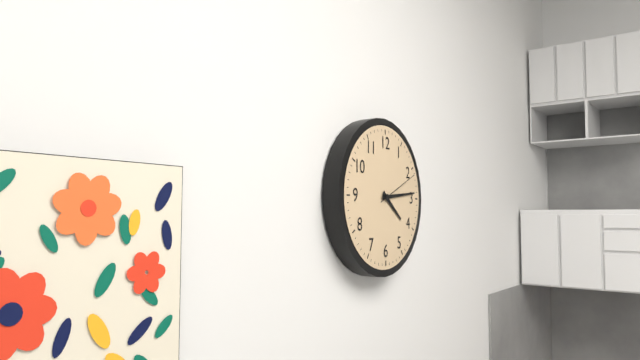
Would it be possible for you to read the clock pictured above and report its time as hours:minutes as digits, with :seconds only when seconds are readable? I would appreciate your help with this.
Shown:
4:14:11
